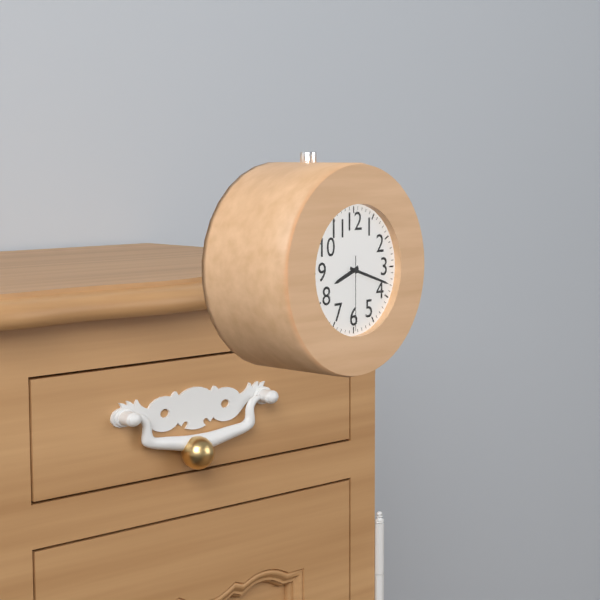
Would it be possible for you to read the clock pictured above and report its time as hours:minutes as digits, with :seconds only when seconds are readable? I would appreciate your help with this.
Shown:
8:18:30
